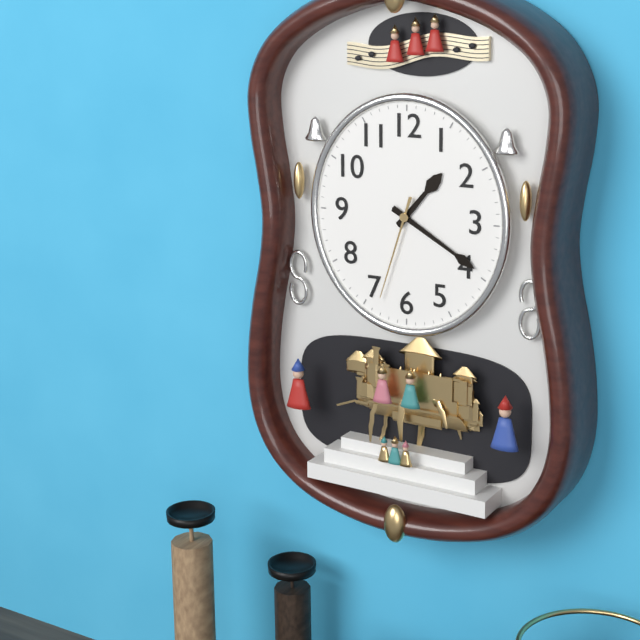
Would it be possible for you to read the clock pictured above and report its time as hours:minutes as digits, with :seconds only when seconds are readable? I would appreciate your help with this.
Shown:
1:20:33
